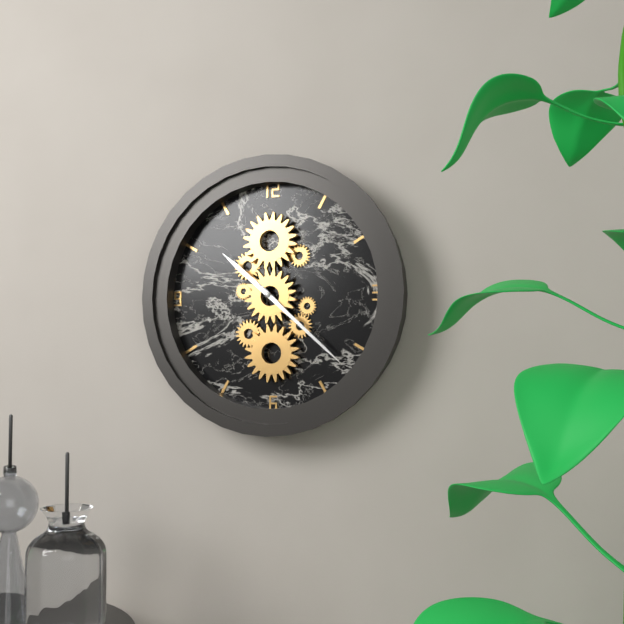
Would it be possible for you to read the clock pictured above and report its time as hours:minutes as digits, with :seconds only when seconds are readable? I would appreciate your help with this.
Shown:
10:22
